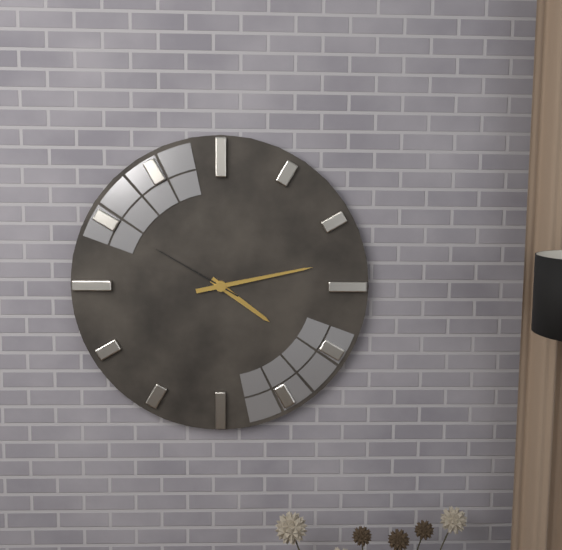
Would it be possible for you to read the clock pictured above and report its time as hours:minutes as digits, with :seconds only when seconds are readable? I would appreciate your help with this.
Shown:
4:13:50
